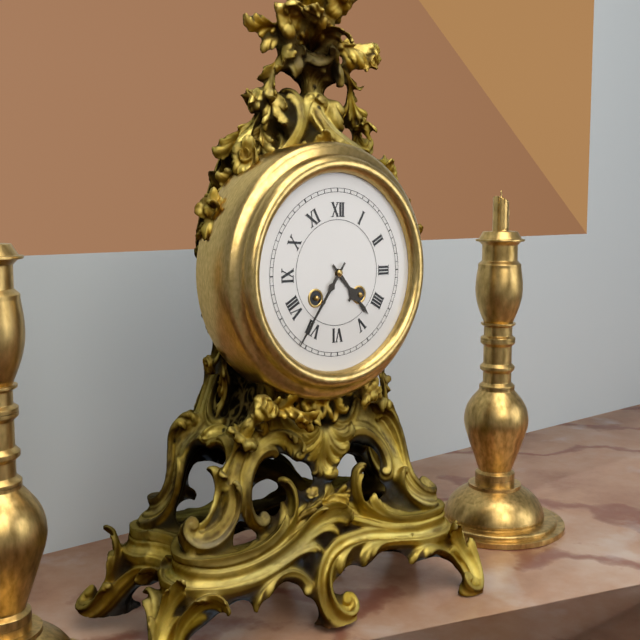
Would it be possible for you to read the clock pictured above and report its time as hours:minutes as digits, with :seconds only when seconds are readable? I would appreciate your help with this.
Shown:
4:36
